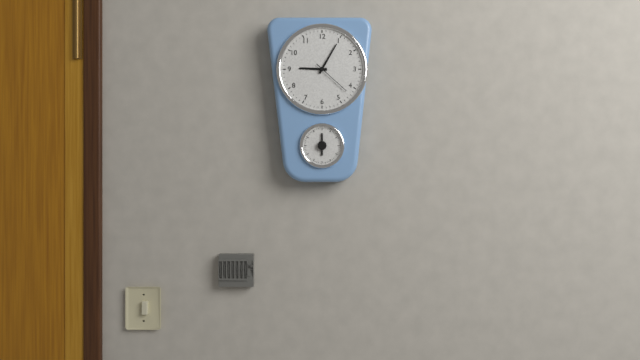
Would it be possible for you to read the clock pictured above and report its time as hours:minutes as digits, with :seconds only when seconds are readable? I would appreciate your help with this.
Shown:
9:05
